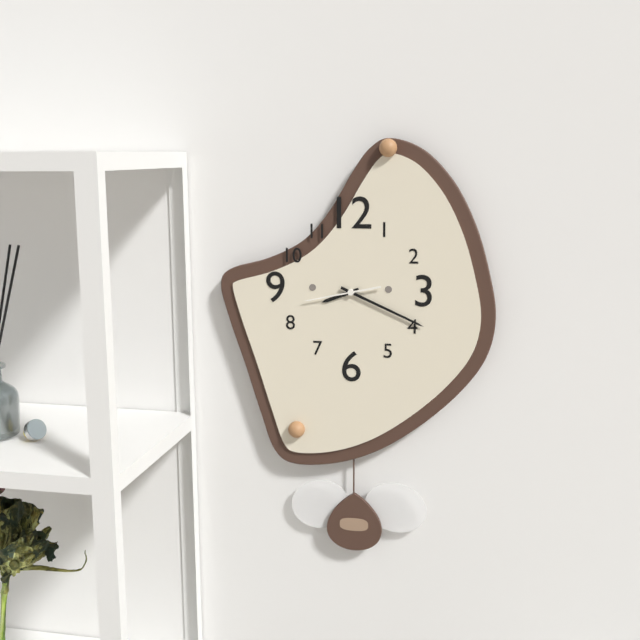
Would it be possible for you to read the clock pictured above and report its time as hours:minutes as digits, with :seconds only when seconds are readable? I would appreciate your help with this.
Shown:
8:19:43
